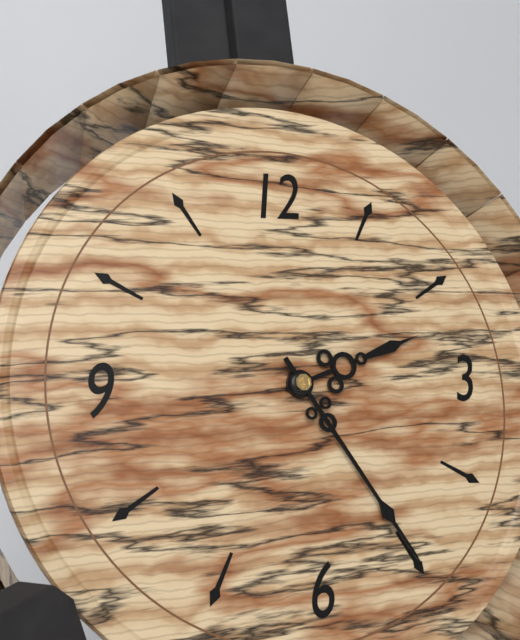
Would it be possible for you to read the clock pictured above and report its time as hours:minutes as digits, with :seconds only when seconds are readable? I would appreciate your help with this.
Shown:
2:25
